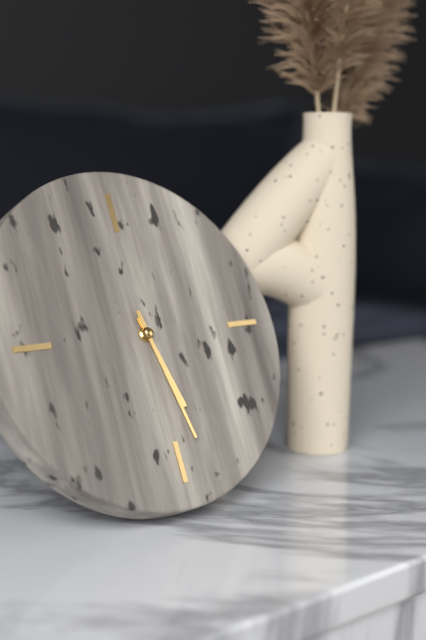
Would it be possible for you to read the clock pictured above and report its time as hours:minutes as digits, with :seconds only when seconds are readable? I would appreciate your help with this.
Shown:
5:28
